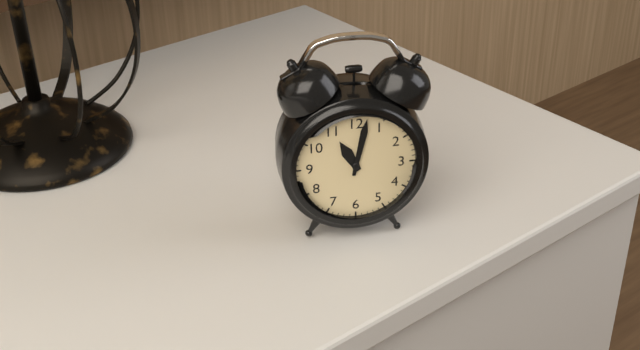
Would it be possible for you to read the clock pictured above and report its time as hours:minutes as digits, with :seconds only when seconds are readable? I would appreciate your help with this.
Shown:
11:02
